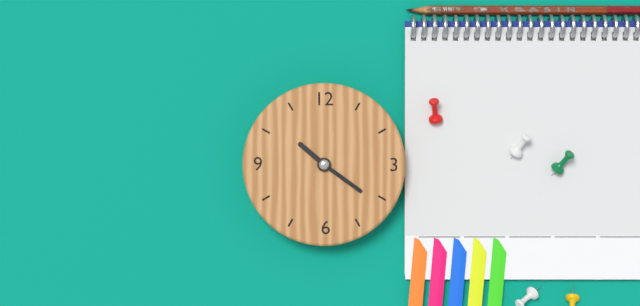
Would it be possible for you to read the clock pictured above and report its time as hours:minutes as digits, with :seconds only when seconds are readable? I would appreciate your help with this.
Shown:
10:21
